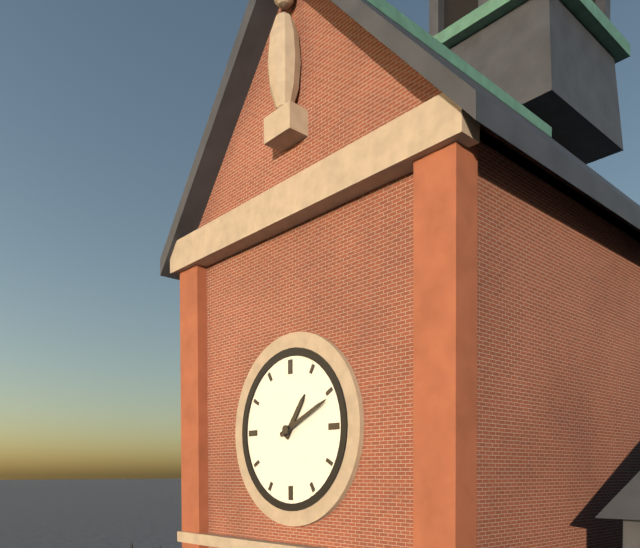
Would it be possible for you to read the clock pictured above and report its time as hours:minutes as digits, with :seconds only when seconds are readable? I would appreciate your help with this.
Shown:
1:11
